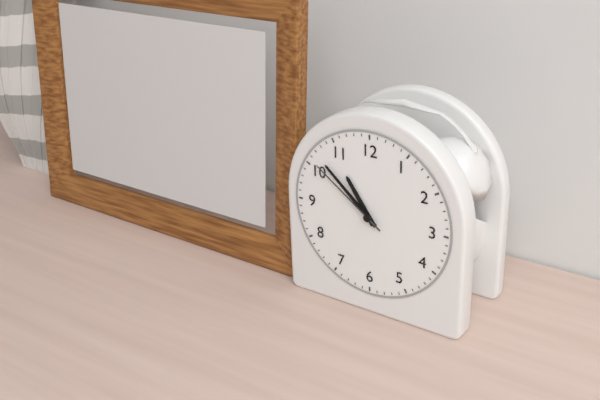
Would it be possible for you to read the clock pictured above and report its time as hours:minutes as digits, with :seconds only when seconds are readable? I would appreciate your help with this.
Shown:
10:52:51
